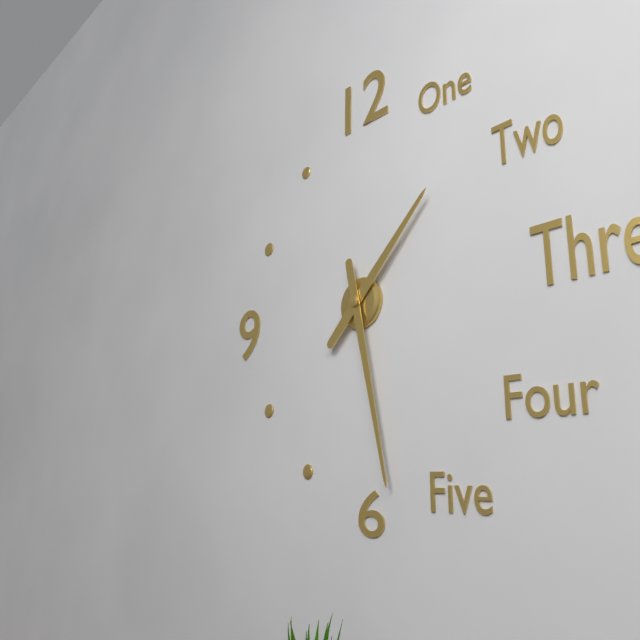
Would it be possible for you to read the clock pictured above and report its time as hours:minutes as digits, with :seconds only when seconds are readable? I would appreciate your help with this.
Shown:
1:28
